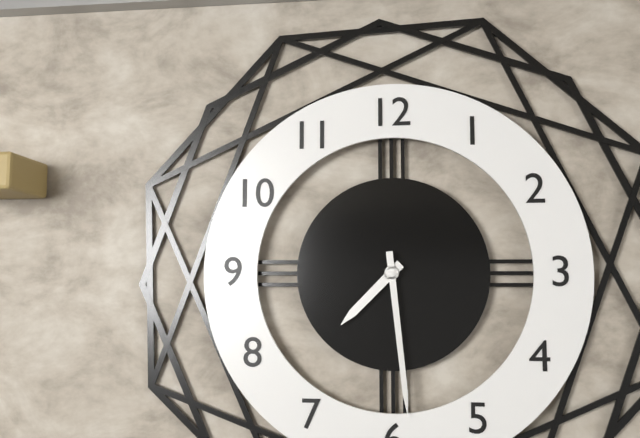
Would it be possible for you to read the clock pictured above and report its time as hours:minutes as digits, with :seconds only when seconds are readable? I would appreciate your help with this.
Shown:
7:29
